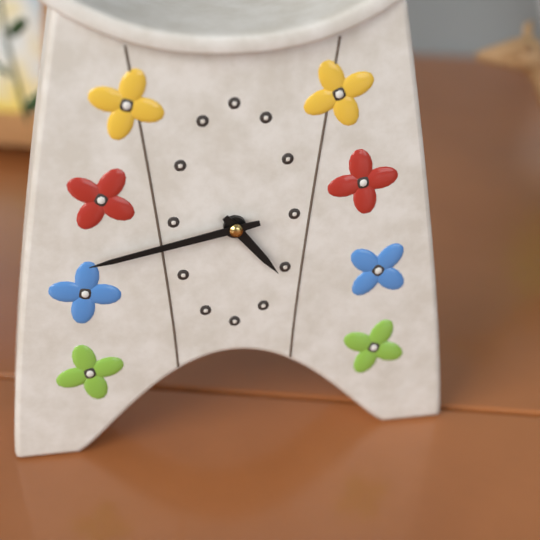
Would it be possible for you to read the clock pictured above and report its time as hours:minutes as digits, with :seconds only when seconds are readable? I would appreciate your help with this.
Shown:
4:43
